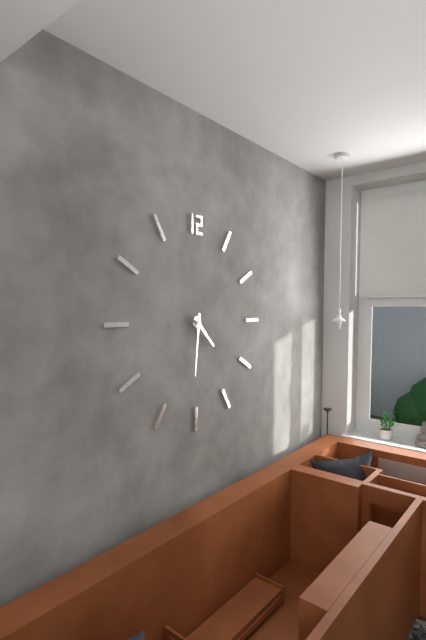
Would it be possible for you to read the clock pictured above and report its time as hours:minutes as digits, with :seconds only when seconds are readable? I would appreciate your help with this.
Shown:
4:31
